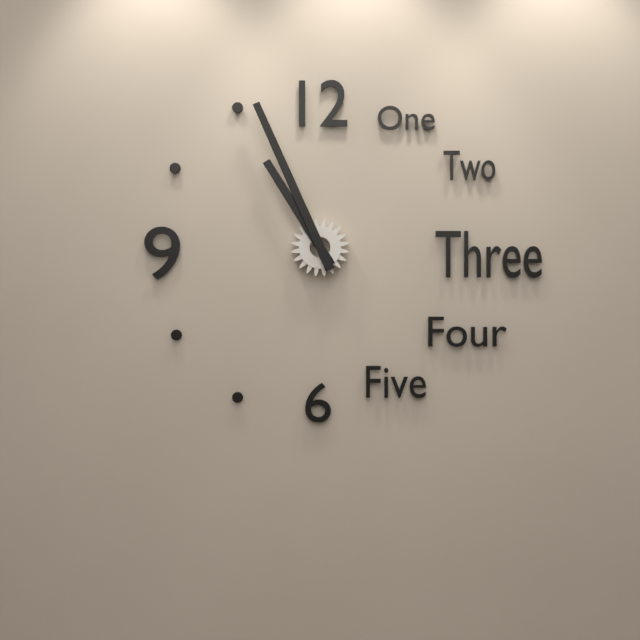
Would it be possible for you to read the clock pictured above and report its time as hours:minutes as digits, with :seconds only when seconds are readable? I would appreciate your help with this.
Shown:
10:56
